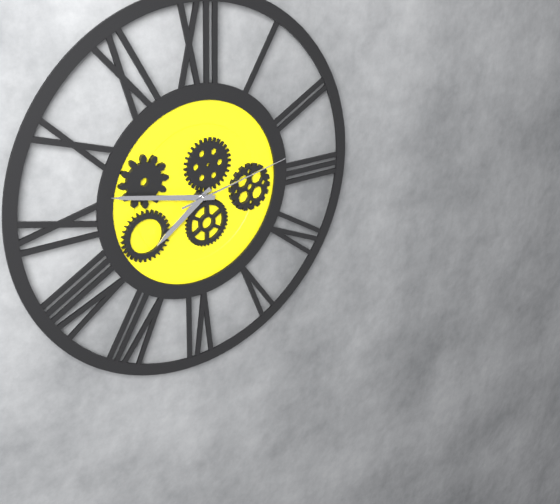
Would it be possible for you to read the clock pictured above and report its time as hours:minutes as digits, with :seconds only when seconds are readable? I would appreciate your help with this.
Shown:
7:47:13
